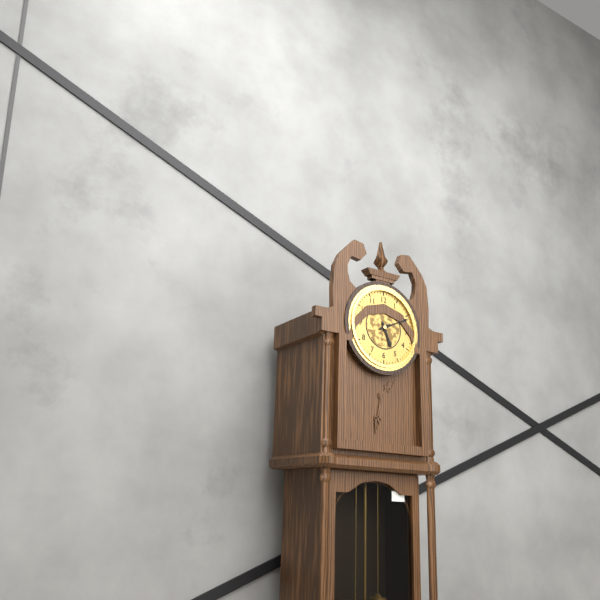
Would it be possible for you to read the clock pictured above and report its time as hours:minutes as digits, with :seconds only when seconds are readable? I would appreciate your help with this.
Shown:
5:11
